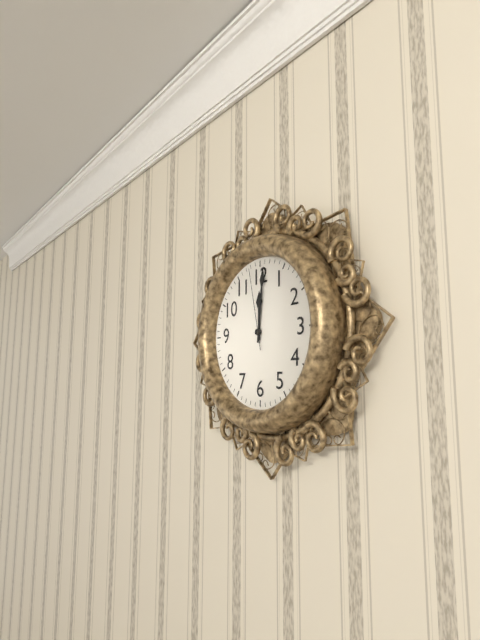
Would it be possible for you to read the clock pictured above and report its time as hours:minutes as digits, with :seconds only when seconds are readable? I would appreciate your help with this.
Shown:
12:01:58
